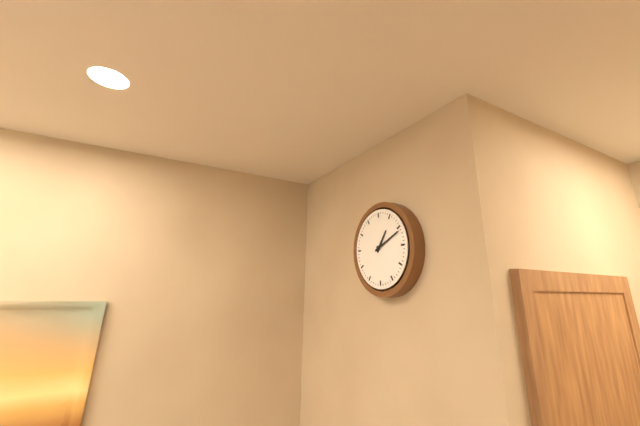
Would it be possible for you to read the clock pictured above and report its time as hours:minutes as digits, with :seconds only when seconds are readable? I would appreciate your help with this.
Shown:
1:11
